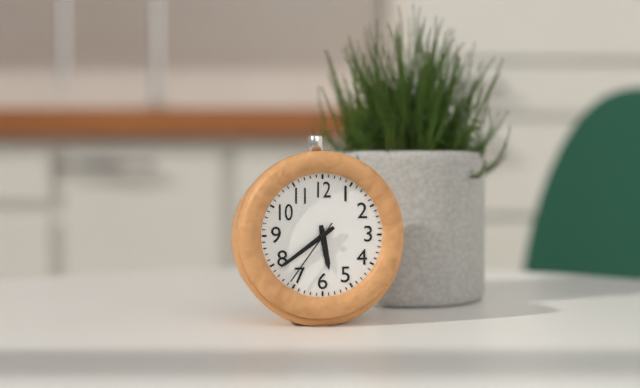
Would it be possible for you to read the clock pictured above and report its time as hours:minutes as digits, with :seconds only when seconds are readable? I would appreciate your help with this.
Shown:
5:39:36
